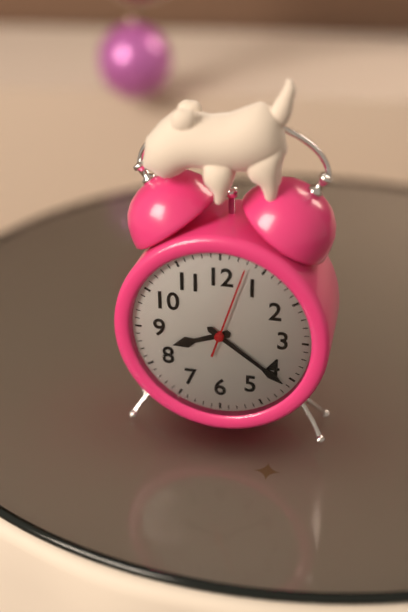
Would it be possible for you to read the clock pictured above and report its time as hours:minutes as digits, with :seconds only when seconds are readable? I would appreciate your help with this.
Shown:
8:21:03
